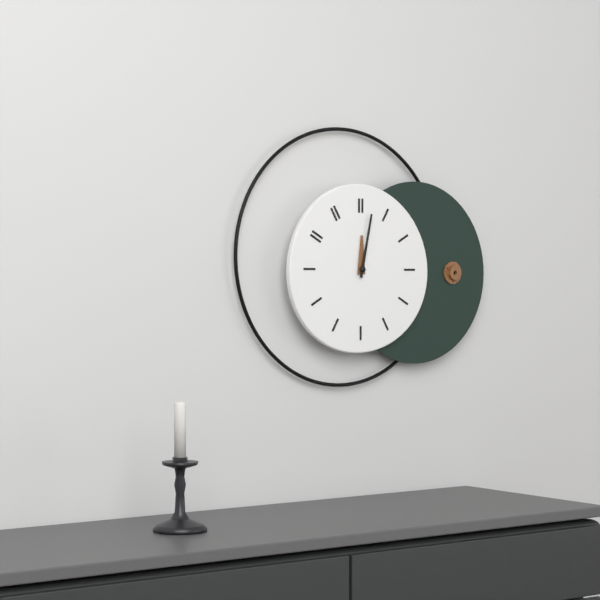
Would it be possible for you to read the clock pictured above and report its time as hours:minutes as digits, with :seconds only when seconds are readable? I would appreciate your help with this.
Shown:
12:02
